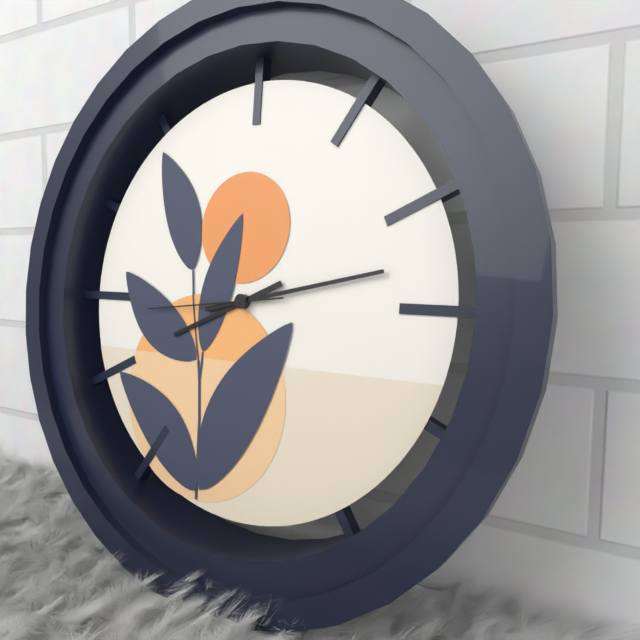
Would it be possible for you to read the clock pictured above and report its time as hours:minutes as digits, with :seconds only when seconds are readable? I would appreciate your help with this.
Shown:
8:13:44
